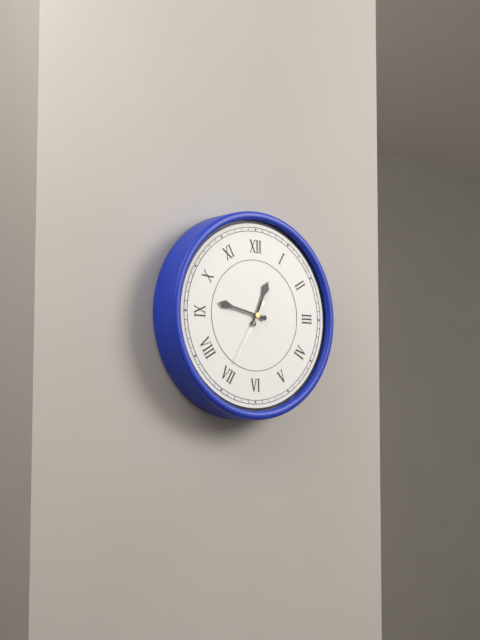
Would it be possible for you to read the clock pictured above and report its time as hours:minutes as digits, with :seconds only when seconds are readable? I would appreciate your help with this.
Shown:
12:47:35
